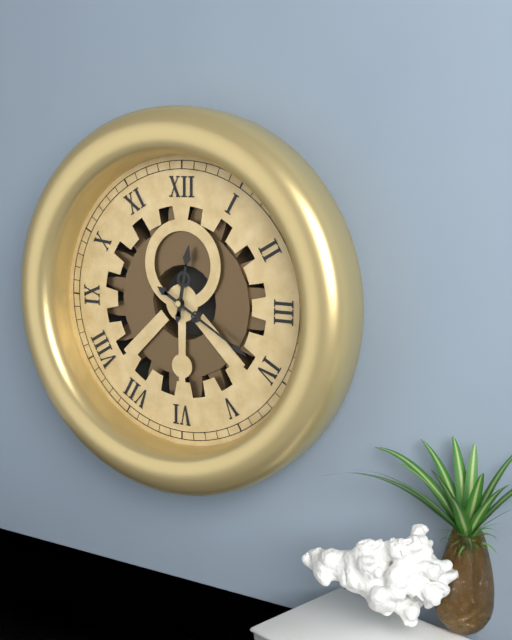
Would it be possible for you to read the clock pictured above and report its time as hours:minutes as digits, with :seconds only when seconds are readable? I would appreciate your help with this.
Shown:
12:20
